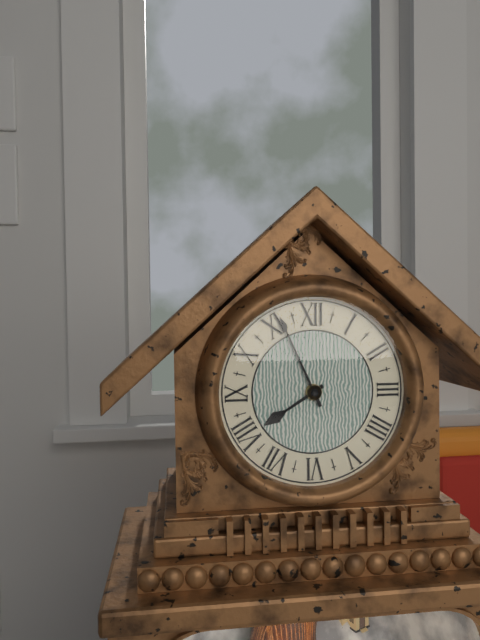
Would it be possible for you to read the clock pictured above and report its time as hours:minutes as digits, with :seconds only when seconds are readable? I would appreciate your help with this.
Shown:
7:56
